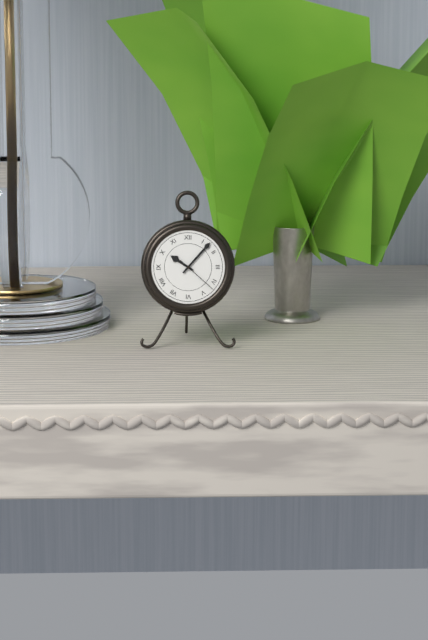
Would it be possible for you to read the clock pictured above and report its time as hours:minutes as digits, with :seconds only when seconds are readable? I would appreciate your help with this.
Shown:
10:07
